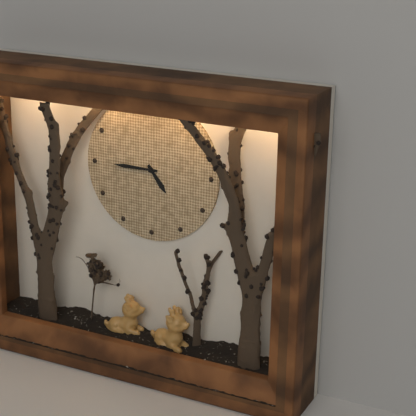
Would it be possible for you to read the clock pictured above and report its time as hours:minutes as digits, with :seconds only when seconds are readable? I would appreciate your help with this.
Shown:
4:45
